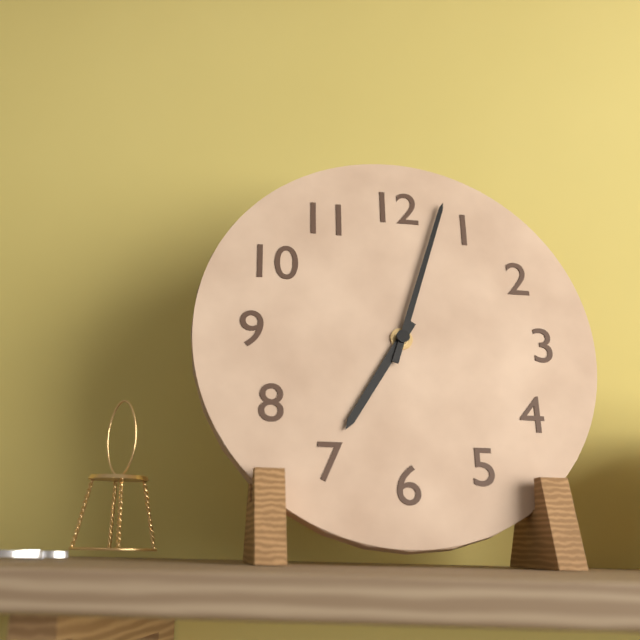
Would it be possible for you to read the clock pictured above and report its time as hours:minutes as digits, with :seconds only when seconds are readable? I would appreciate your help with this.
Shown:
7:03
